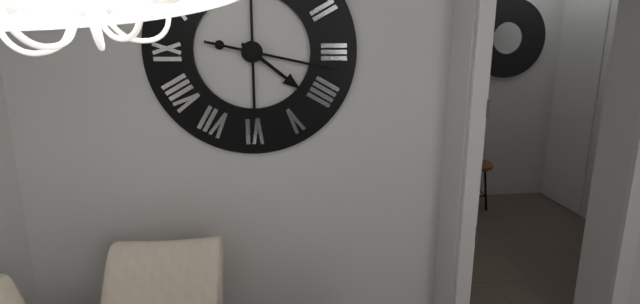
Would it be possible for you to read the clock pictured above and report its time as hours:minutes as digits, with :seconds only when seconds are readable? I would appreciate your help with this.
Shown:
4:17
